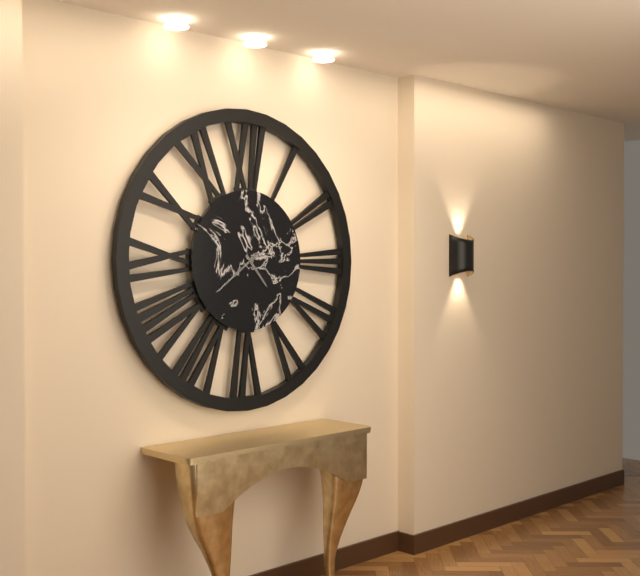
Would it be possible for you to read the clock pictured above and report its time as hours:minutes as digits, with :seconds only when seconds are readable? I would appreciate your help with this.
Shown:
4:39
